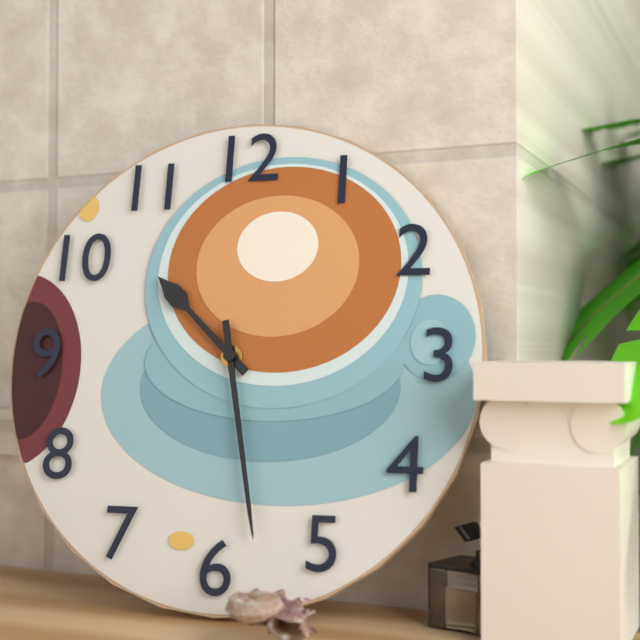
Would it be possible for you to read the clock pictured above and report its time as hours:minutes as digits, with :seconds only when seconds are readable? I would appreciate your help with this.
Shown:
10:28
